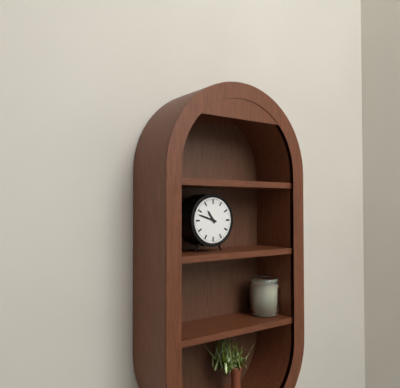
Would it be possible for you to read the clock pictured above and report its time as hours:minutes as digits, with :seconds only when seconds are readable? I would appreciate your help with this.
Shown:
10:48
